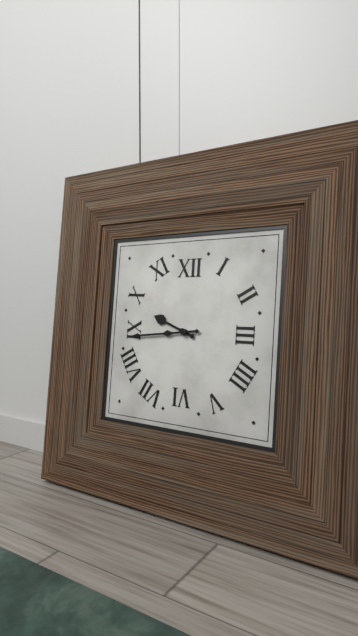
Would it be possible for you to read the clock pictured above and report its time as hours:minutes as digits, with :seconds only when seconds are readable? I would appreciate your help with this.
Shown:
9:44
